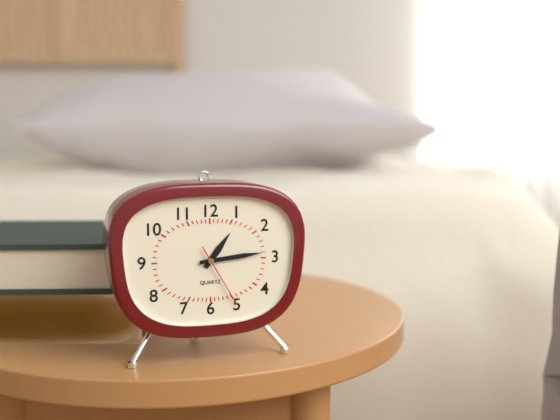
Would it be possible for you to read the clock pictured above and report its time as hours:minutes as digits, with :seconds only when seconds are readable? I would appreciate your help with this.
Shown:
1:14:25
